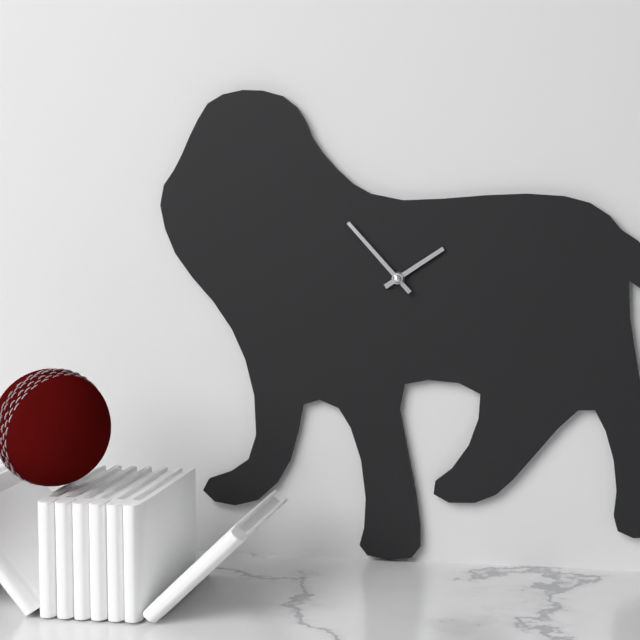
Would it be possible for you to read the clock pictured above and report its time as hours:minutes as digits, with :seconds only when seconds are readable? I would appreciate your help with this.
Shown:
1:53
